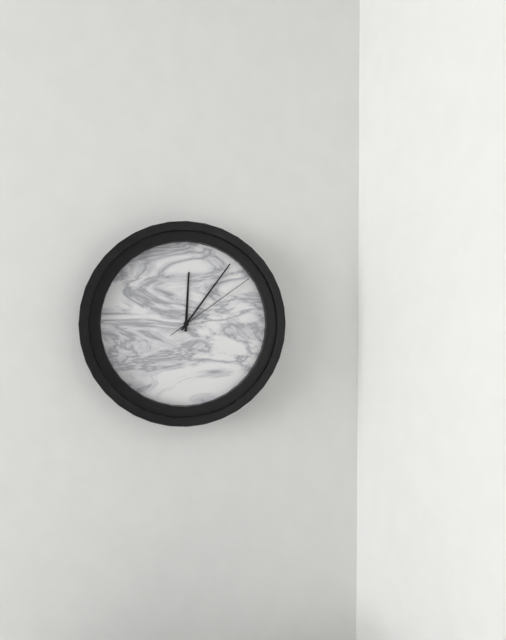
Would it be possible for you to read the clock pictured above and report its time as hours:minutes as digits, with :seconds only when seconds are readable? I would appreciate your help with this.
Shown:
12:06:09
